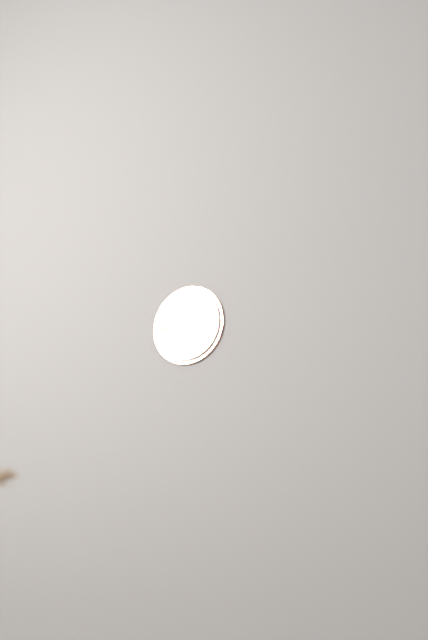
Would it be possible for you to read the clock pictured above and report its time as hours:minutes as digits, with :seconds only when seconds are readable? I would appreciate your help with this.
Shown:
8:45
